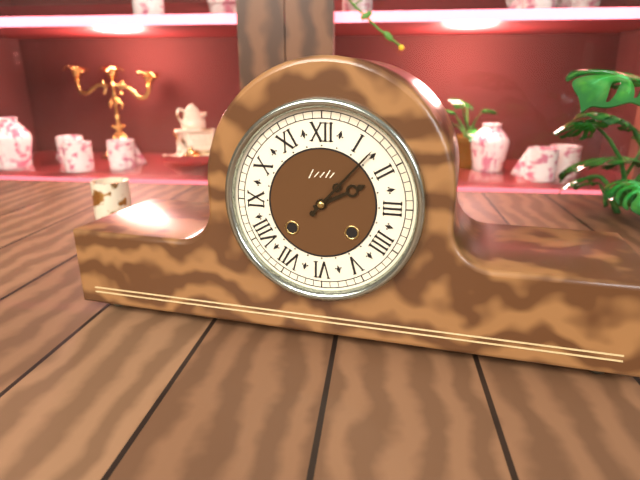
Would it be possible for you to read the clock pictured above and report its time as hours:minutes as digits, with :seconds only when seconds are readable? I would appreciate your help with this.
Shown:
2:07
